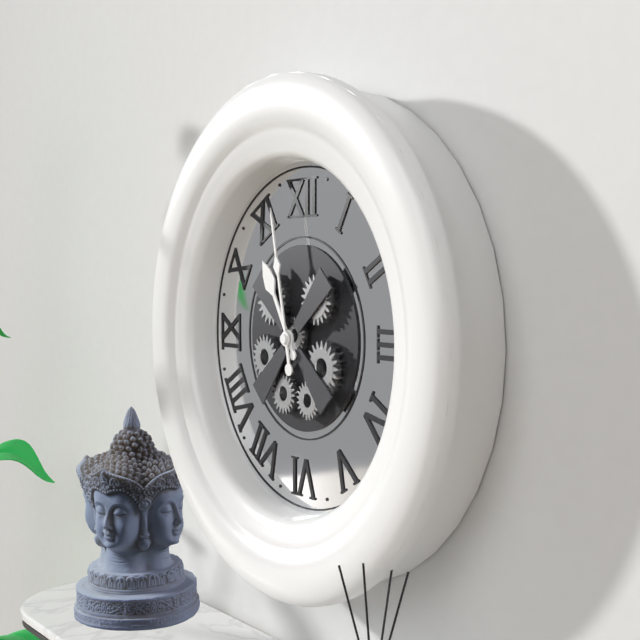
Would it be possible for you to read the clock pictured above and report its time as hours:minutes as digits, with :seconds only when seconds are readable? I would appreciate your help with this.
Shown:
10:58
